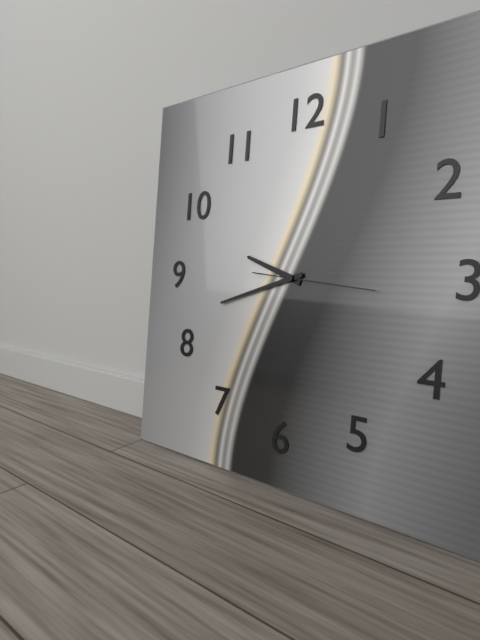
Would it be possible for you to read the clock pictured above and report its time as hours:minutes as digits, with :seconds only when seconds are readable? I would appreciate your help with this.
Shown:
9:42:16
